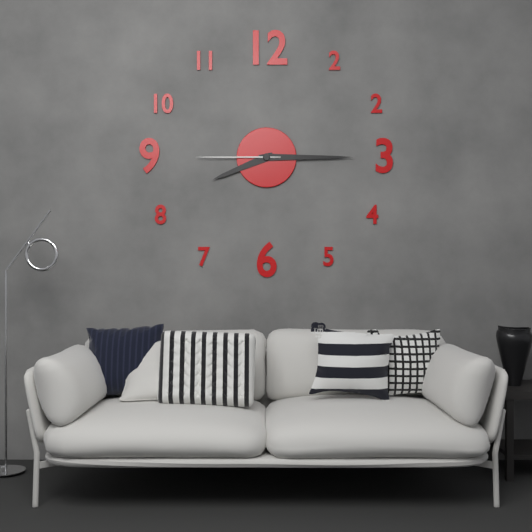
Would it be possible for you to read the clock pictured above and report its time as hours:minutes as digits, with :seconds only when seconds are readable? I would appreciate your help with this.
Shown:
8:15:45
